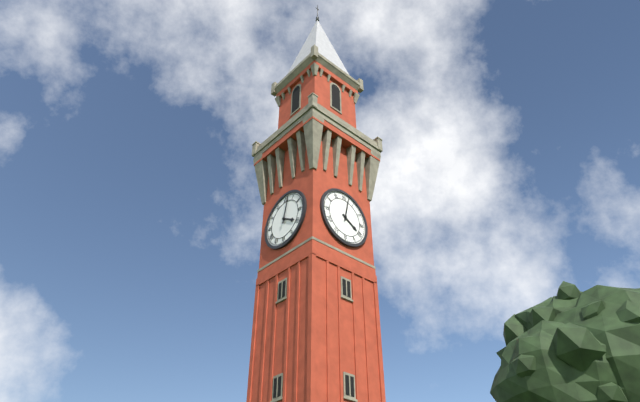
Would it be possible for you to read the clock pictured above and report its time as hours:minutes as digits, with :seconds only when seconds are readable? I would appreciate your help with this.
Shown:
4:02
